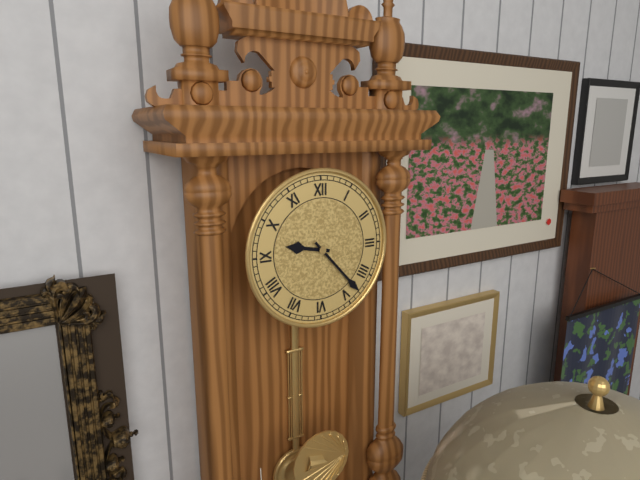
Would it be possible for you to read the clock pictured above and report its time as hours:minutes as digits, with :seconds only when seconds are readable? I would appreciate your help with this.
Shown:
9:23
